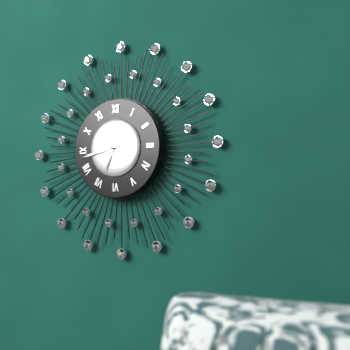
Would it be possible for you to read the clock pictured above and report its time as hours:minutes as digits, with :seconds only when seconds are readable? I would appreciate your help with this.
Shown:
6:43
